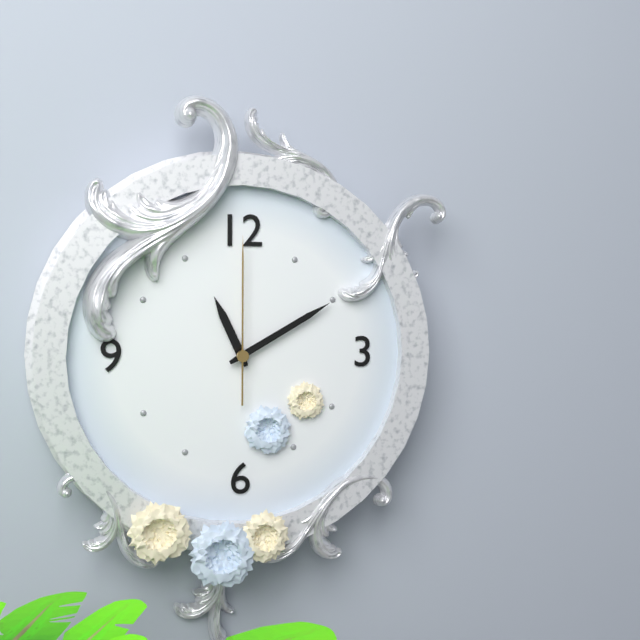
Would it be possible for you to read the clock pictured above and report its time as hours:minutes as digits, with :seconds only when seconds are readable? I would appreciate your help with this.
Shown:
11:10:00
